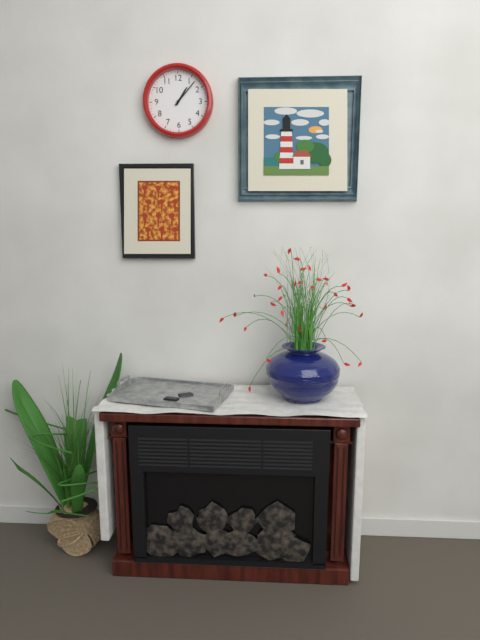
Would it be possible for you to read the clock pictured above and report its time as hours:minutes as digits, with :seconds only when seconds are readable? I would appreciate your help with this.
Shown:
1:07
